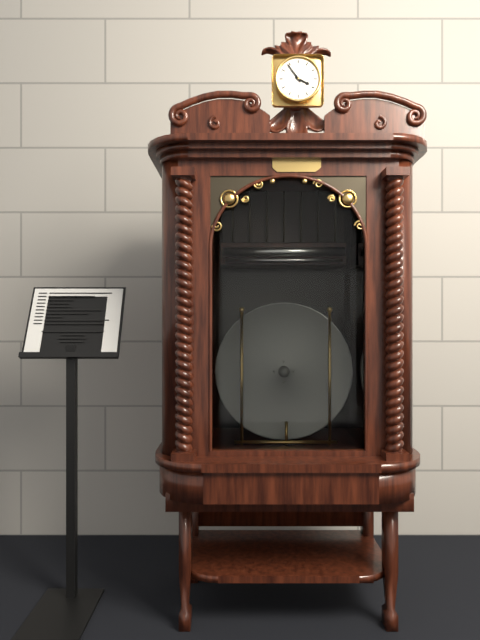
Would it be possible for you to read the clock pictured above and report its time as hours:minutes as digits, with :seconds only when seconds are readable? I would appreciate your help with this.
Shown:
3:54
